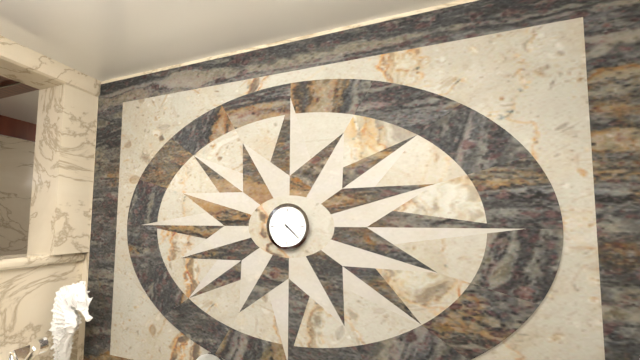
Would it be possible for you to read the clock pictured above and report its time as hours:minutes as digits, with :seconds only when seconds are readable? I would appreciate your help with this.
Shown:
4:22
